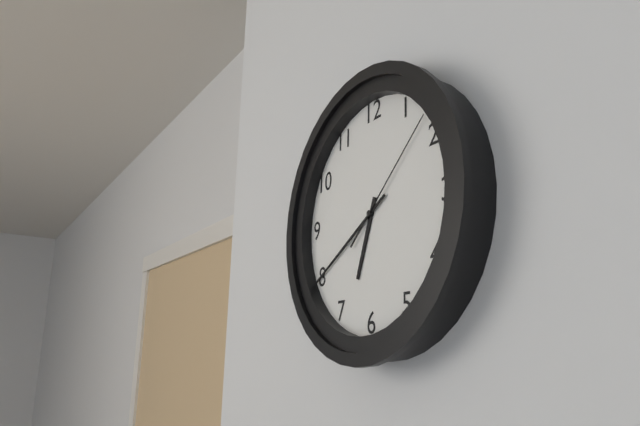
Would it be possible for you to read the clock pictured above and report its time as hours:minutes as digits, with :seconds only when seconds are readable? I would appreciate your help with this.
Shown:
6:40:08
